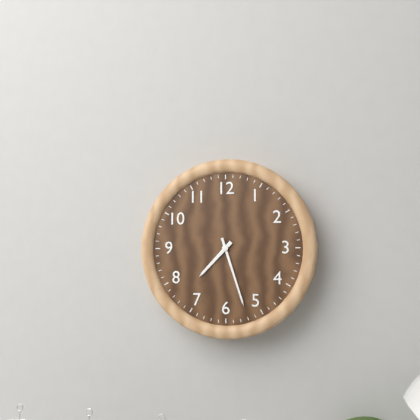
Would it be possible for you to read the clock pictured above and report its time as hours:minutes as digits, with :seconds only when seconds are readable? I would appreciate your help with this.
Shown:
7:27
